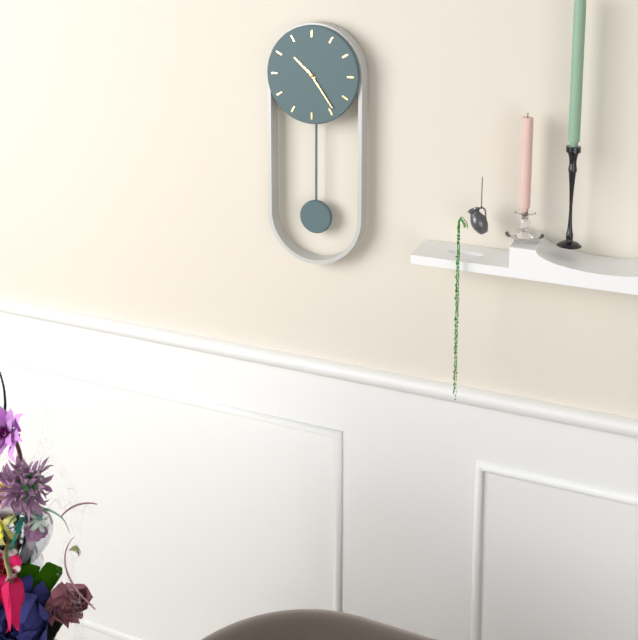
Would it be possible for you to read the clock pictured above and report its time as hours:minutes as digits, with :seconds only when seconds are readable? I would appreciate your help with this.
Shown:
10:24
